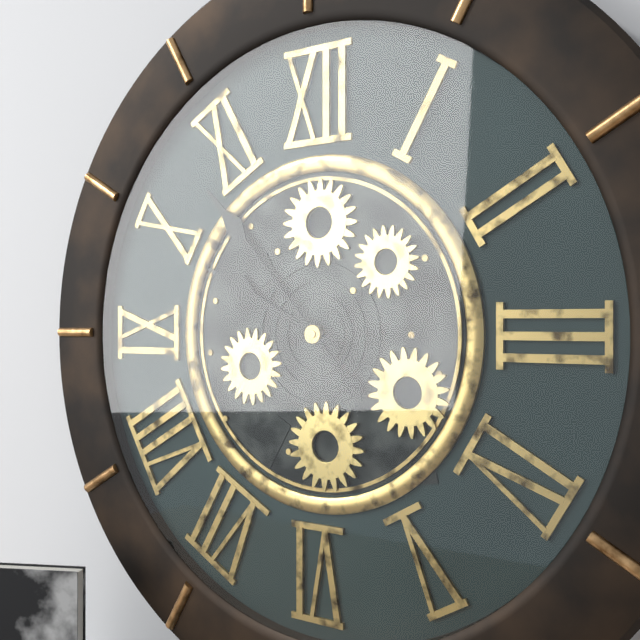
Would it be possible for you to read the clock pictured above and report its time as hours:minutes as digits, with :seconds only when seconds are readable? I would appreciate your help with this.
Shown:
9:53
